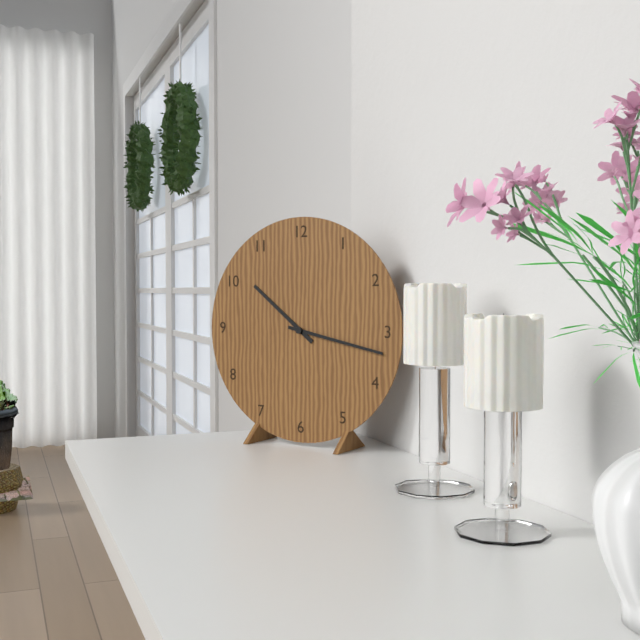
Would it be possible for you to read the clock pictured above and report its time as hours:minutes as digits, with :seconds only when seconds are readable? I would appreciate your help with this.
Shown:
10:17
